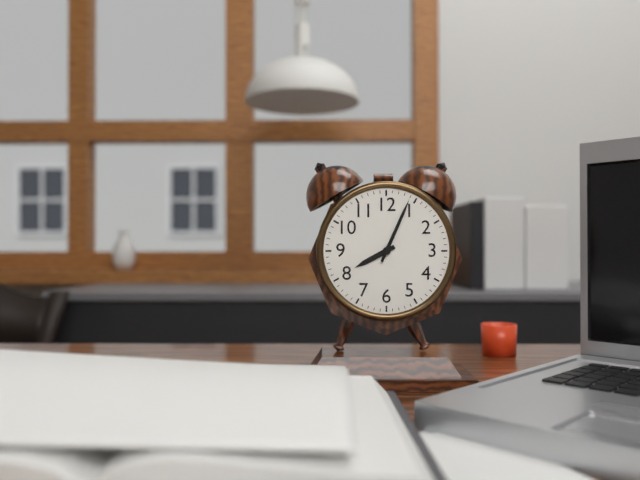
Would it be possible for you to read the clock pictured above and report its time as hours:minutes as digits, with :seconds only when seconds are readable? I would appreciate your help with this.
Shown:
8:04
